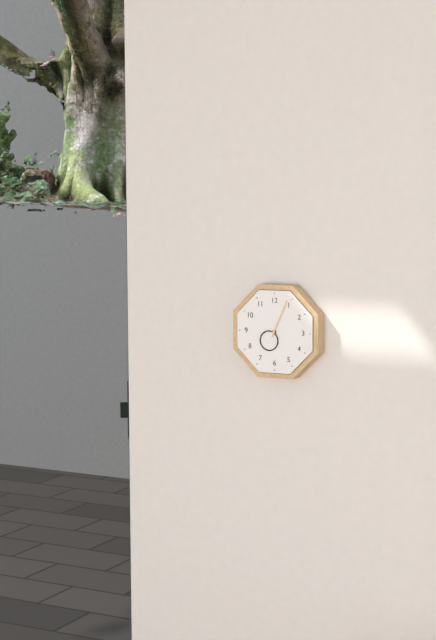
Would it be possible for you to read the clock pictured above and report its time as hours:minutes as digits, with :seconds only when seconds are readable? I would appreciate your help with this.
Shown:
7:04
